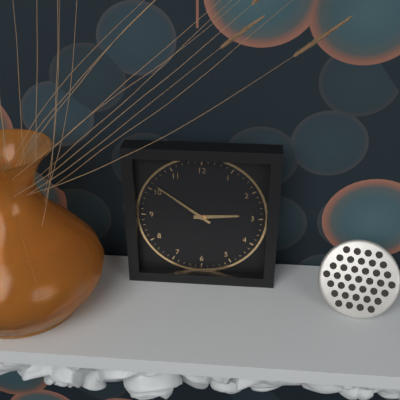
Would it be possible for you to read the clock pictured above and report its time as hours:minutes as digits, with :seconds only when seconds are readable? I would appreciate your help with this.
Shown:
2:51
